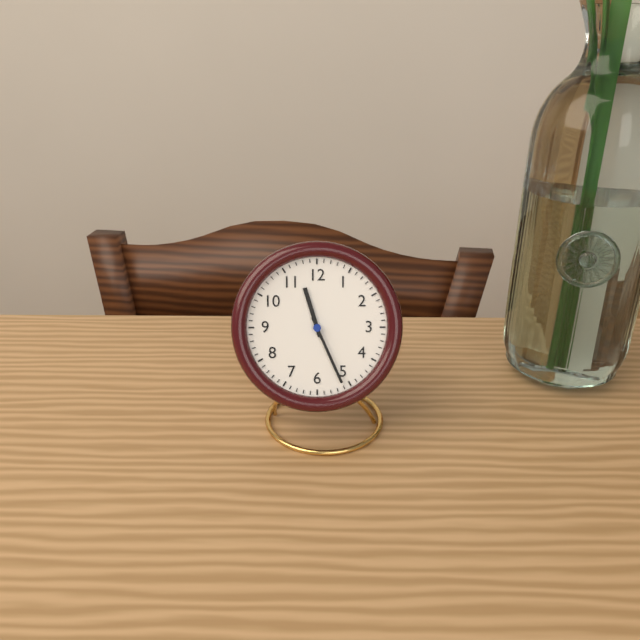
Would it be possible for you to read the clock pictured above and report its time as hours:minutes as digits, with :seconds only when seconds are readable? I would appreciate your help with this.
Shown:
11:26
